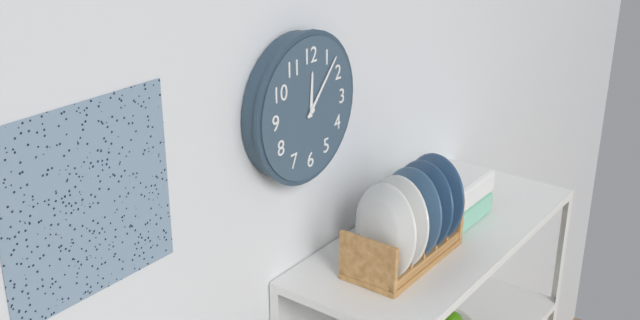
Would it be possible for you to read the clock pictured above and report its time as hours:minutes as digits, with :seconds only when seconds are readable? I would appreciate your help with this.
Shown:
12:07
